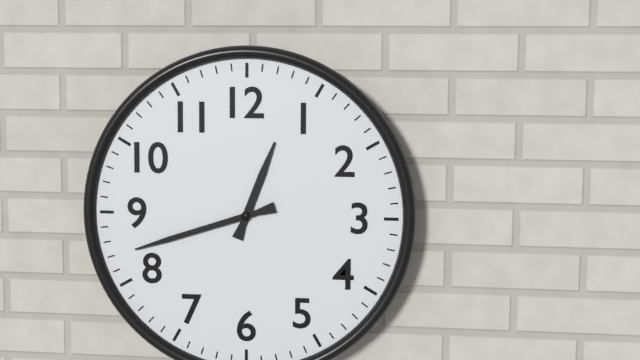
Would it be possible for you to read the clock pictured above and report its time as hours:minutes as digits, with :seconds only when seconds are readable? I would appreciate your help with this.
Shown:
12:42
